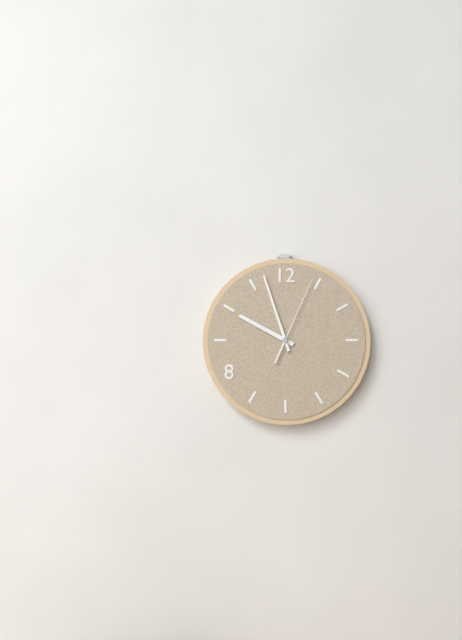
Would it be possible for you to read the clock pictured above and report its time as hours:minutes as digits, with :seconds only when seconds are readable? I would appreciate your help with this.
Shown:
9:57:04
